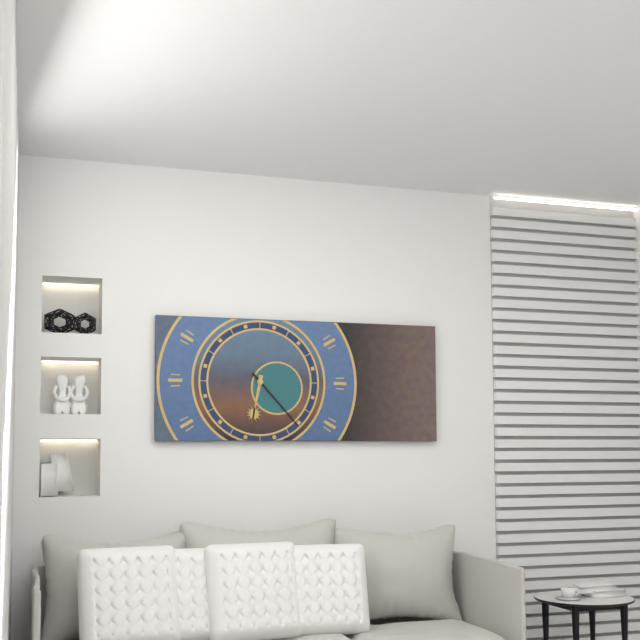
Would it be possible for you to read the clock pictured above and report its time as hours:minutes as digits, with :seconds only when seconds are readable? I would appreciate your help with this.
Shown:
6:23
